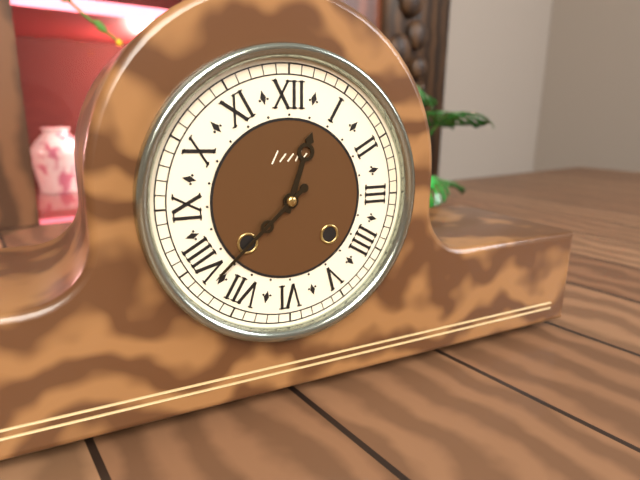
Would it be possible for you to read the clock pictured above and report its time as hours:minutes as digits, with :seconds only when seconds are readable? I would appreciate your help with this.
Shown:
12:38
